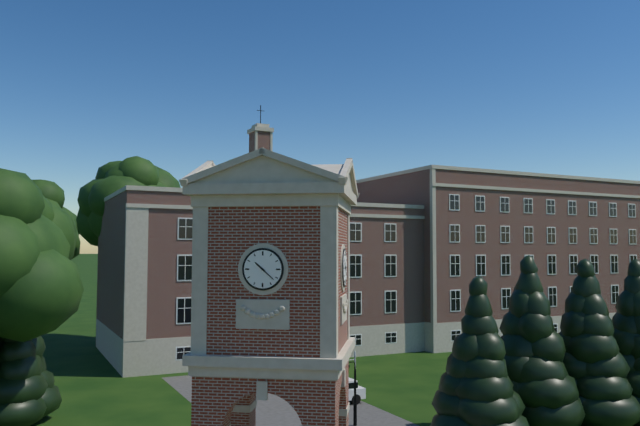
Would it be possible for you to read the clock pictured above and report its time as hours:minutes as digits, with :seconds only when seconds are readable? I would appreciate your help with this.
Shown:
10:22
